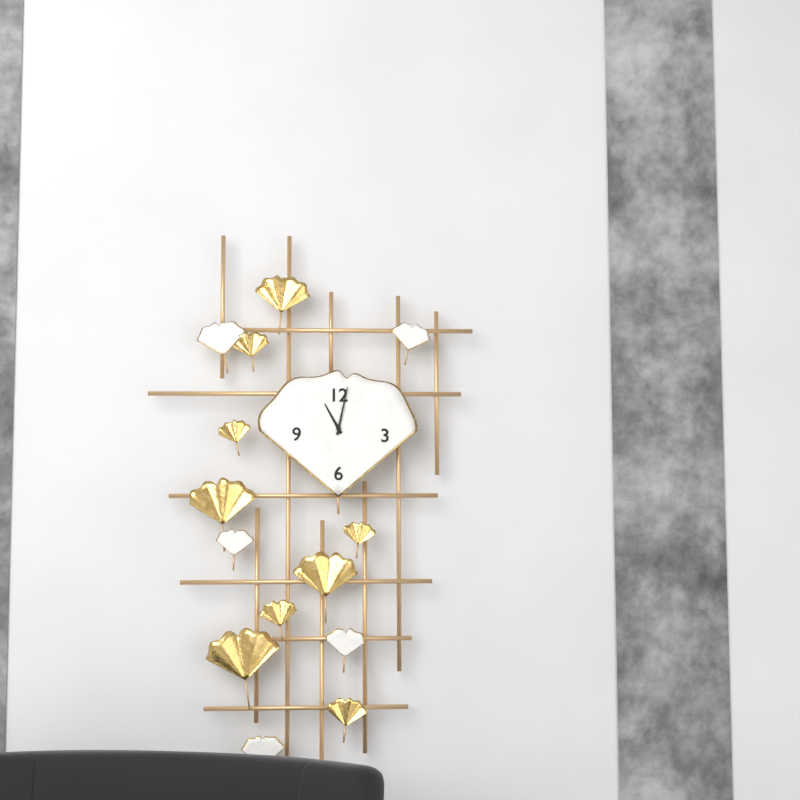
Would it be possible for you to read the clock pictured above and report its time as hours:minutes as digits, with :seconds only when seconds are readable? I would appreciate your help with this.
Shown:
11:02
